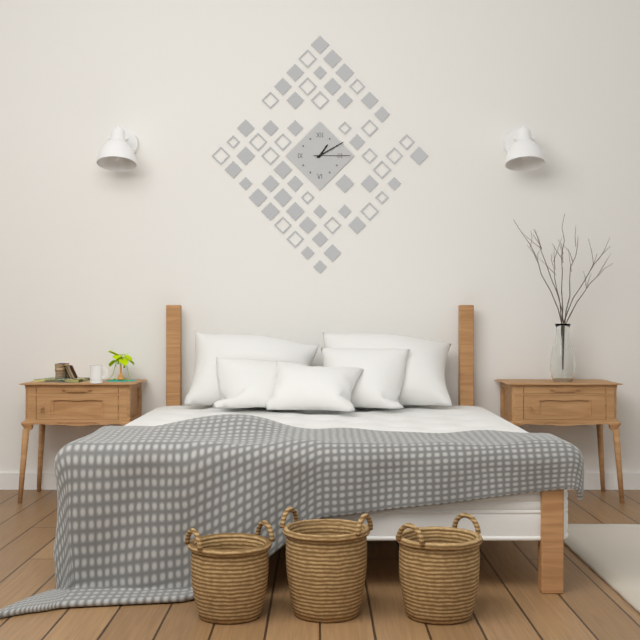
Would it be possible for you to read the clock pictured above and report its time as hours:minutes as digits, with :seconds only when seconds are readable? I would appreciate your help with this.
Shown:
1:10
